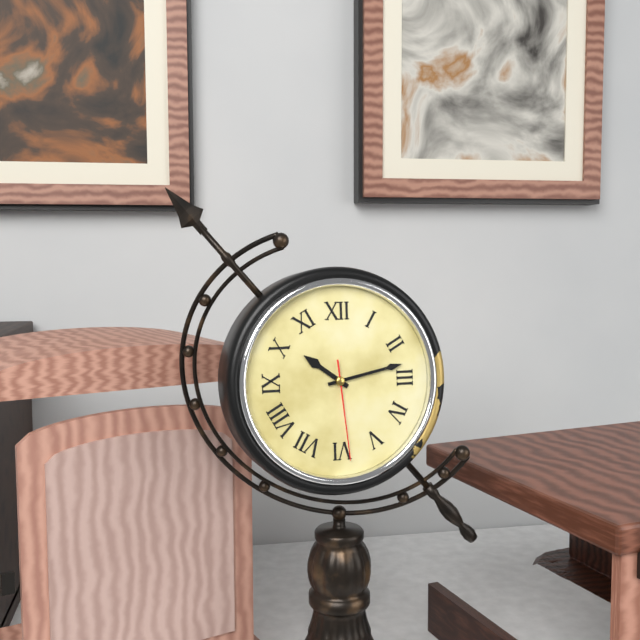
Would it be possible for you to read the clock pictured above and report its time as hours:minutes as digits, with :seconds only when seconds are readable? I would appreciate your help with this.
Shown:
10:13:29
